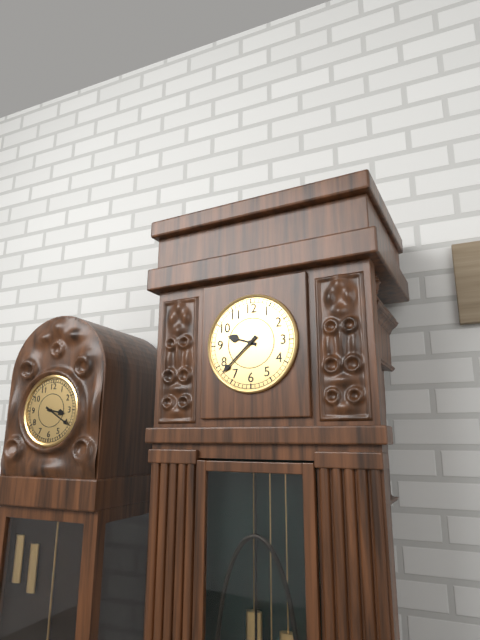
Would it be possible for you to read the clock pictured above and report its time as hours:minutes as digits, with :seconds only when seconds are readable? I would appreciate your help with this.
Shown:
9:38
